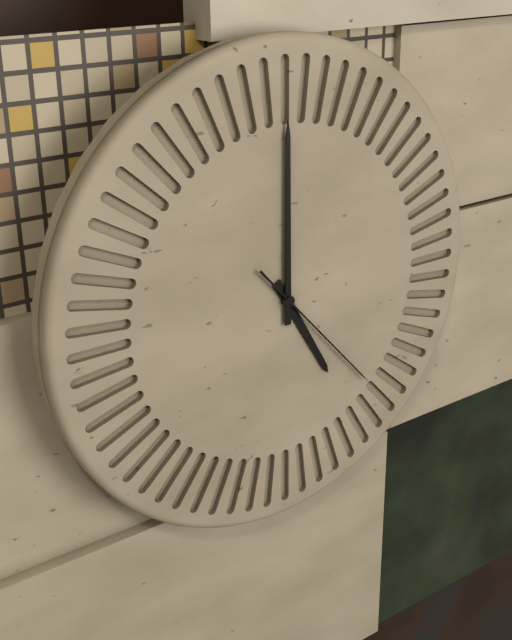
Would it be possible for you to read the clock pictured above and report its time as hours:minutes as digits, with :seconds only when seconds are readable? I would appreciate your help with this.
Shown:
5:00:23
